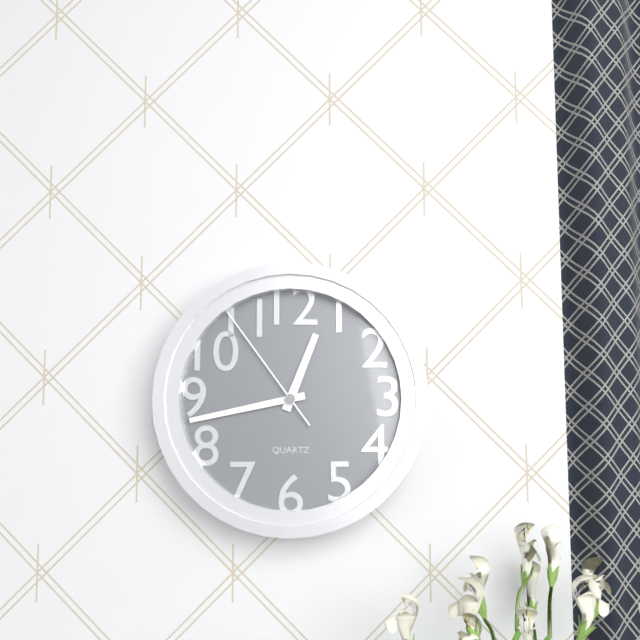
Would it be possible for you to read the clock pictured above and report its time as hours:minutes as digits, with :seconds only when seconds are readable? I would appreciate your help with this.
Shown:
12:43:54
